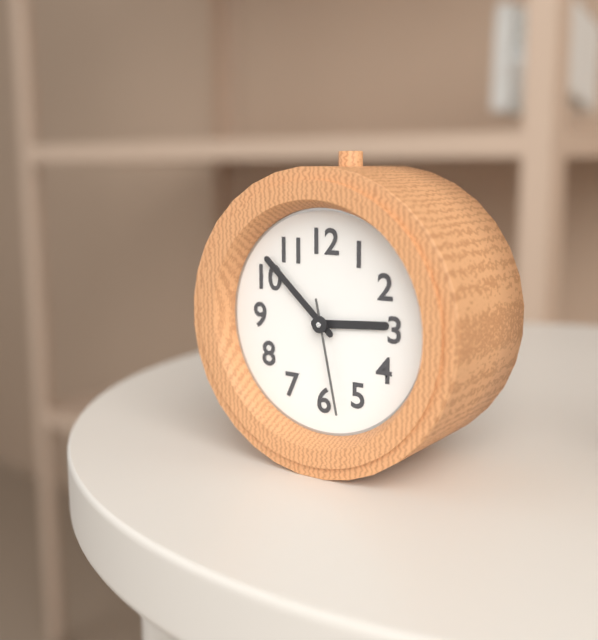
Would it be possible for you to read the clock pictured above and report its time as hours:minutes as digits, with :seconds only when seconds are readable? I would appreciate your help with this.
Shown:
2:52:28
